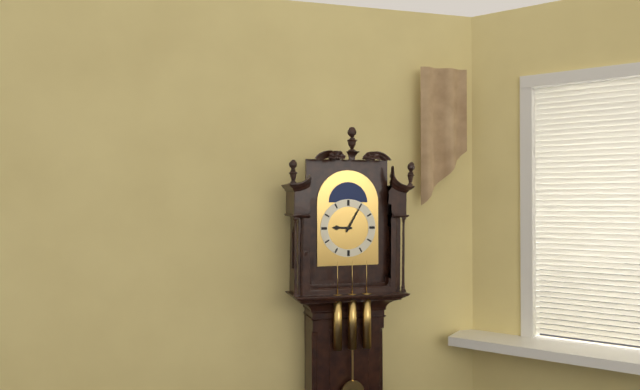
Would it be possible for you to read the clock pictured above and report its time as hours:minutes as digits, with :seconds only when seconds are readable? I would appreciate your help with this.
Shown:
9:05
